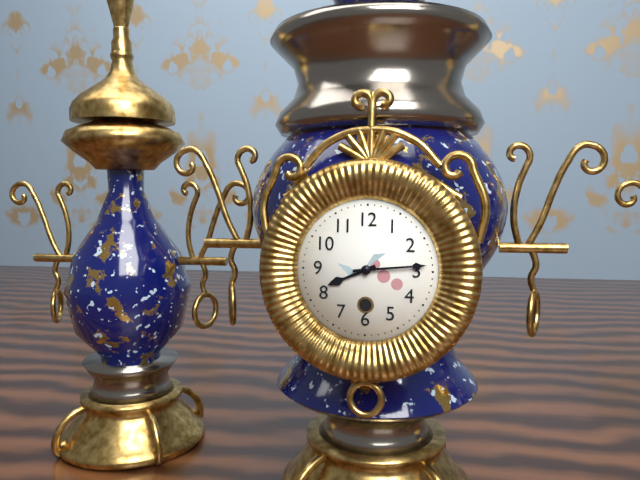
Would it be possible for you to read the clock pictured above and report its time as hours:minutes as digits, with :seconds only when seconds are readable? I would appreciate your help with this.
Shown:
8:14
